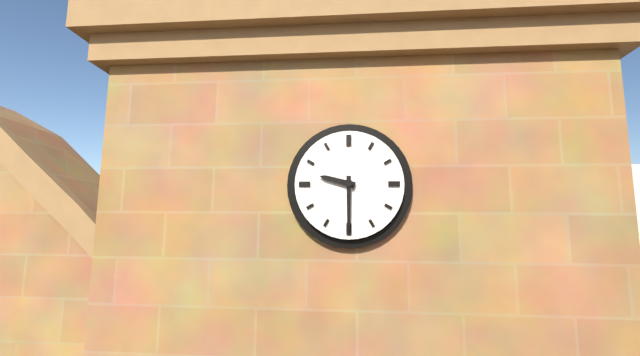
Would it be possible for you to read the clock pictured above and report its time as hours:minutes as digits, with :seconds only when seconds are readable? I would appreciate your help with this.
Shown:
9:30
